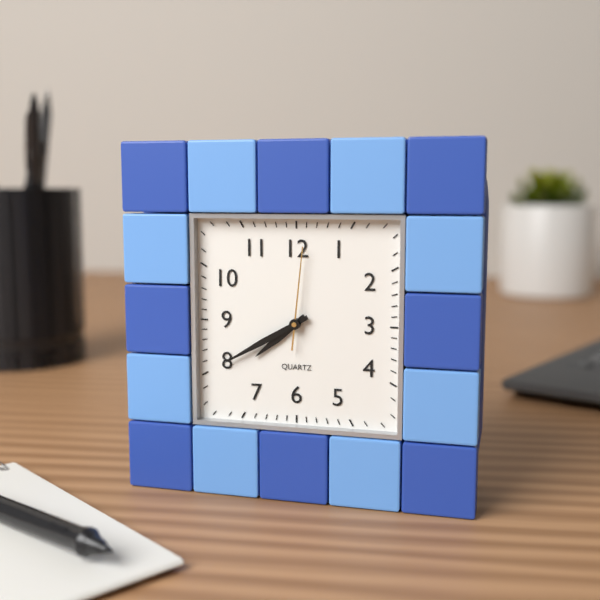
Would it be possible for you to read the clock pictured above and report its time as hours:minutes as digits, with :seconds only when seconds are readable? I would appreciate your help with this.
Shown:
7:40:01
